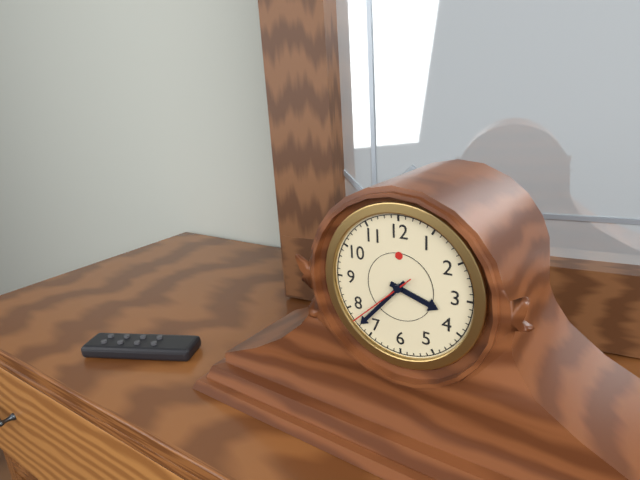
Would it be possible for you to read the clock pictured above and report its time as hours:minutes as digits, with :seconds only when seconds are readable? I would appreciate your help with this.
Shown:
3:37:38
